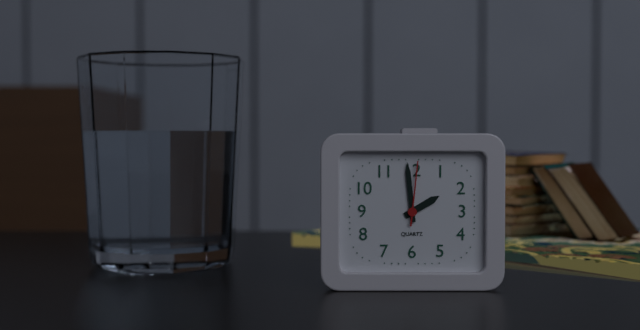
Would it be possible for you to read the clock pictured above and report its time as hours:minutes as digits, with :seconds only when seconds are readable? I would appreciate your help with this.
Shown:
1:59:01
